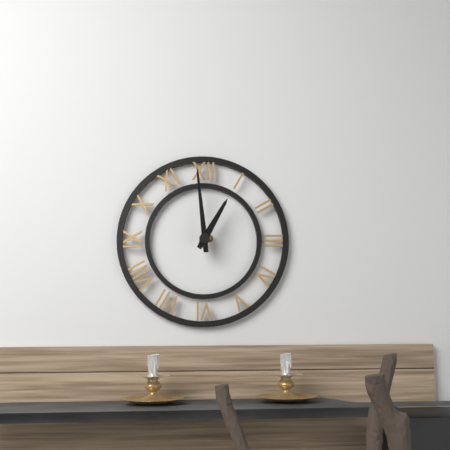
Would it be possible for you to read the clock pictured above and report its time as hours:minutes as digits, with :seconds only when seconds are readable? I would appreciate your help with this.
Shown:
12:59
